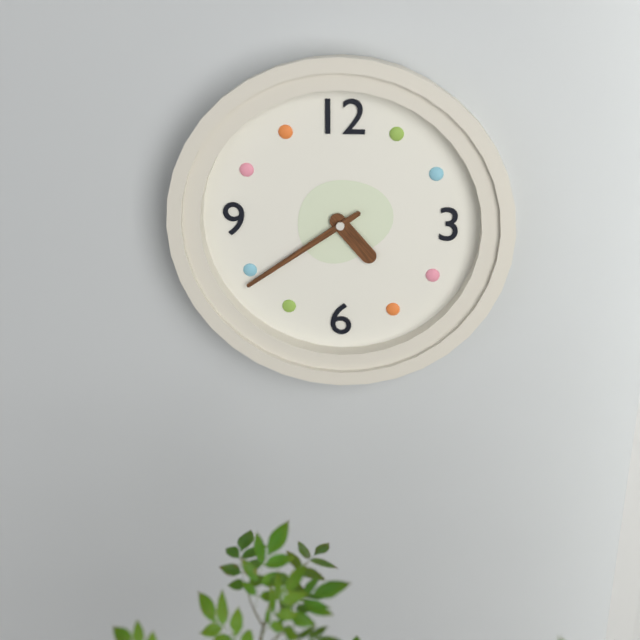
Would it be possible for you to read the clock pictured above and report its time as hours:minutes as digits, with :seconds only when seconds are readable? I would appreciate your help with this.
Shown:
4:39
